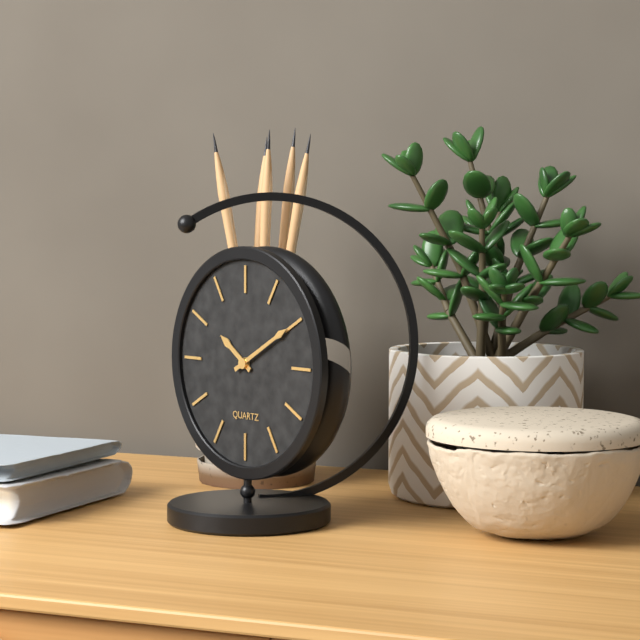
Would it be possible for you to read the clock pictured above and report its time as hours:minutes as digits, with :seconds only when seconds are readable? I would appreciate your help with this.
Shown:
10:10
